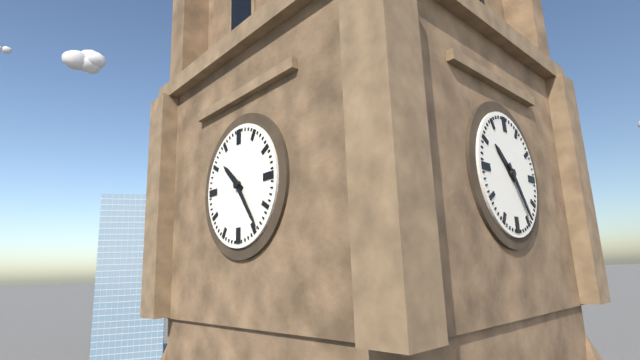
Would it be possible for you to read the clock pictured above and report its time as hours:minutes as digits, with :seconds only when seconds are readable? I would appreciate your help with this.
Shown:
10:24
